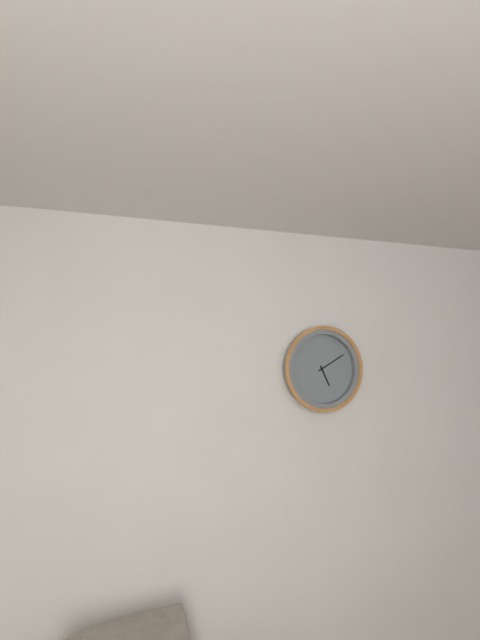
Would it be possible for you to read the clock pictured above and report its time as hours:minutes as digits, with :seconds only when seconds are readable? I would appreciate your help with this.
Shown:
5:10
